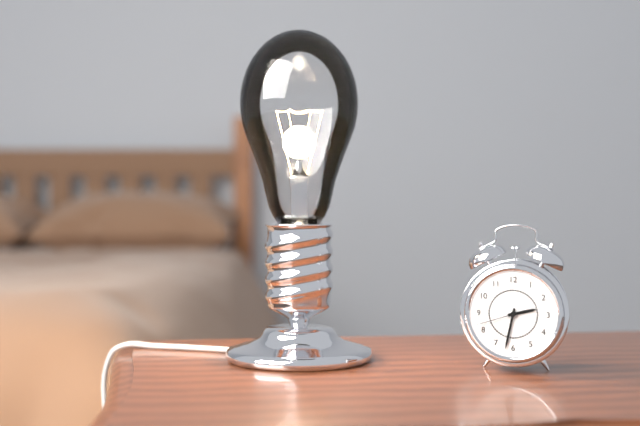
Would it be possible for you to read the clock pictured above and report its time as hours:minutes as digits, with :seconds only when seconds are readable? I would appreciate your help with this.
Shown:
2:32
